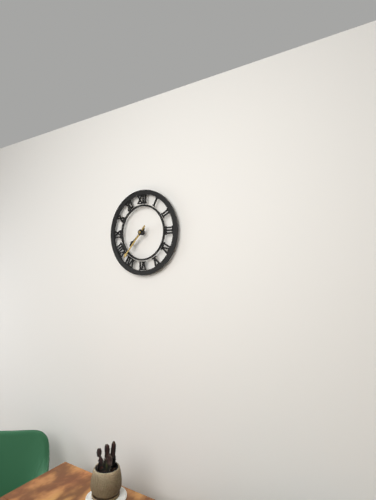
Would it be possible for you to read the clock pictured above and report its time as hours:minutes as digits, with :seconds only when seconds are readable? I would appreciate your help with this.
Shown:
7:37
